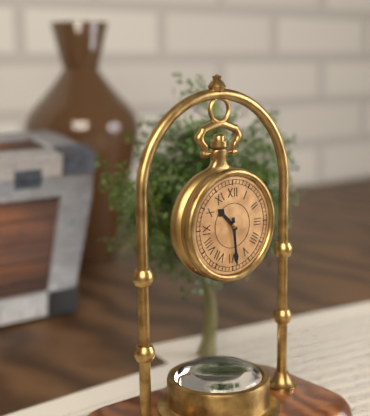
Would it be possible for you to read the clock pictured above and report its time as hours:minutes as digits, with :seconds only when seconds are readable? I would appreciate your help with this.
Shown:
10:29
